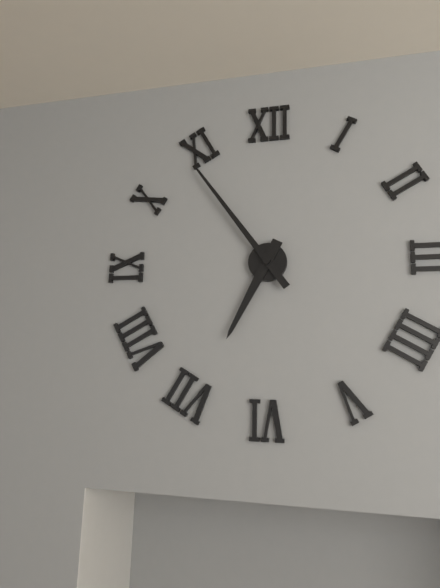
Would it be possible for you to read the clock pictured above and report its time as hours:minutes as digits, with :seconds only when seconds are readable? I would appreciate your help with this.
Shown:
6:54
